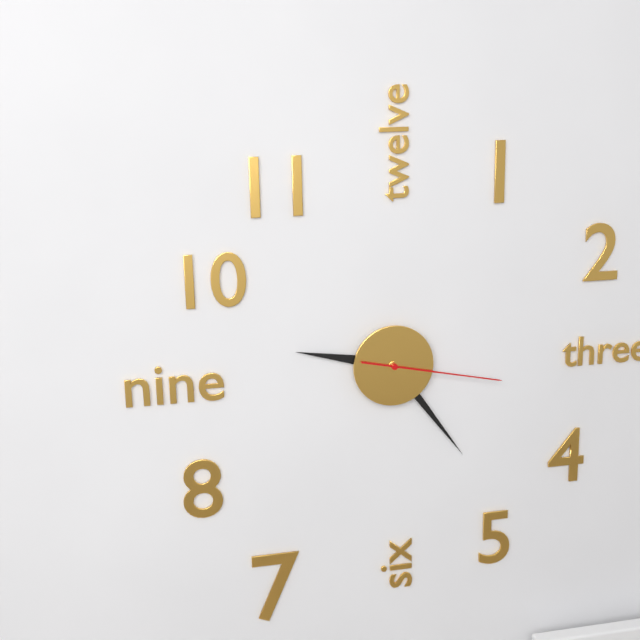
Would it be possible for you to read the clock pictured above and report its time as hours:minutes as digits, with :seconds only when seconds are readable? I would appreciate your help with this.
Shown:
9:24:17
